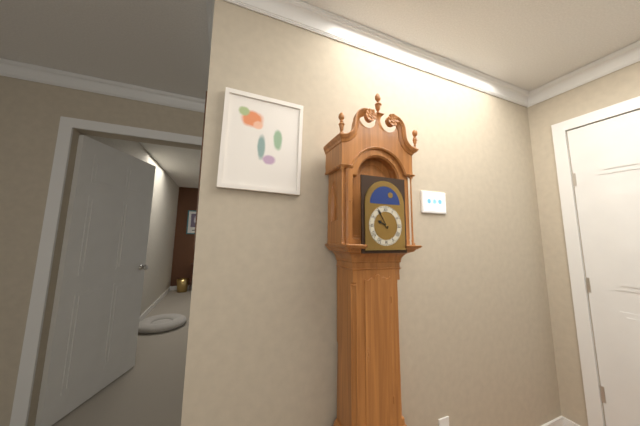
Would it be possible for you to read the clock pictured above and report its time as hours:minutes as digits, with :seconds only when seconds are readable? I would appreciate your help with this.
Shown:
9:55
